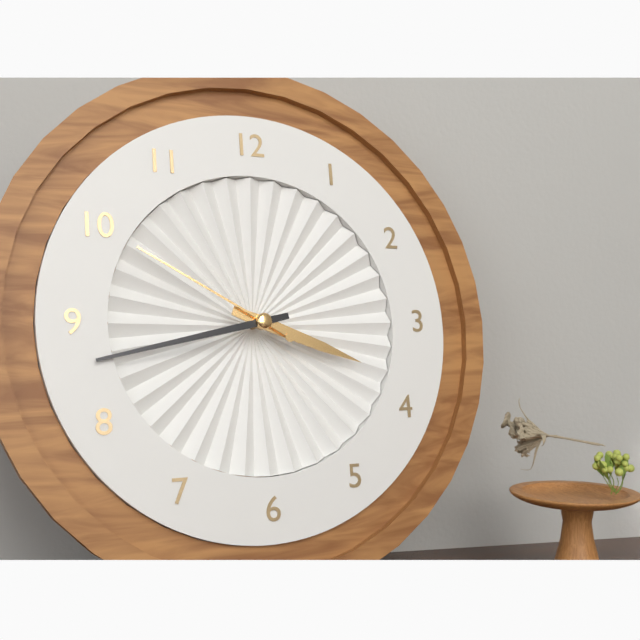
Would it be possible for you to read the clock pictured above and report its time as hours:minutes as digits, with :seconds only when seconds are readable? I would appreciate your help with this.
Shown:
3:43:50
